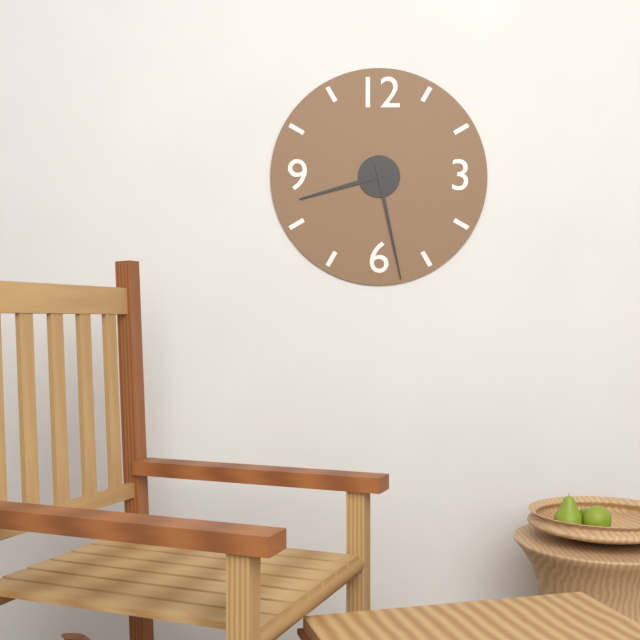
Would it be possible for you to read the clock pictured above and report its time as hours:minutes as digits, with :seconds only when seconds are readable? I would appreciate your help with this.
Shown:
8:28
